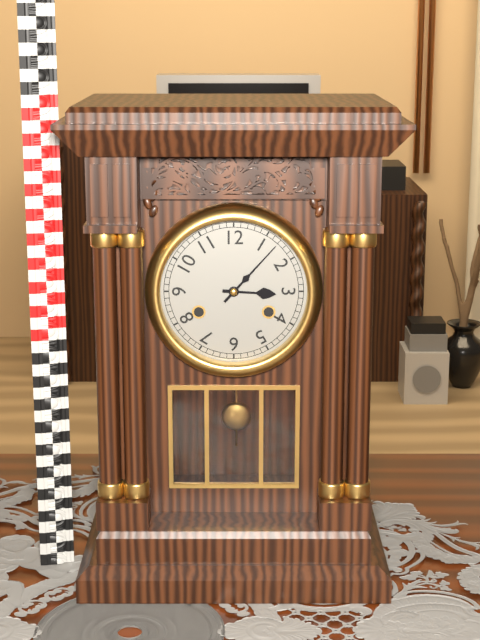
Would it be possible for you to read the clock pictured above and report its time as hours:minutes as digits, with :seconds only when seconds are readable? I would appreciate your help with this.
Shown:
3:07
